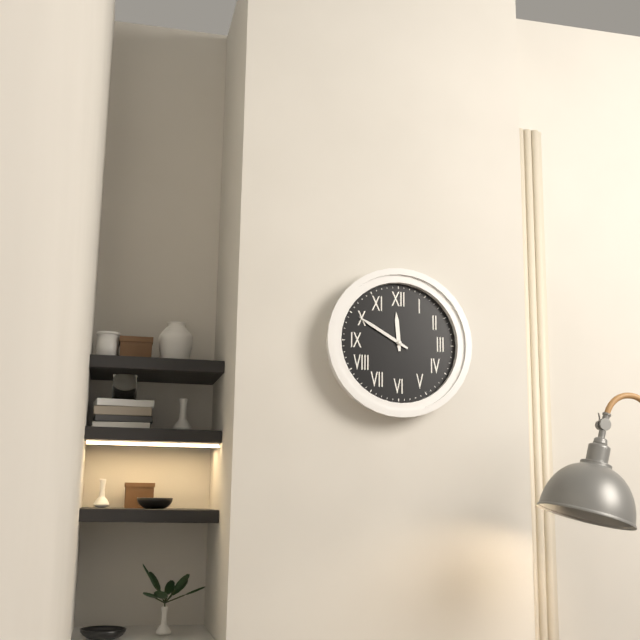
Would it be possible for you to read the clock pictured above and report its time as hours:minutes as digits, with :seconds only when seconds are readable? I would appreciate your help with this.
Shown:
11:50
